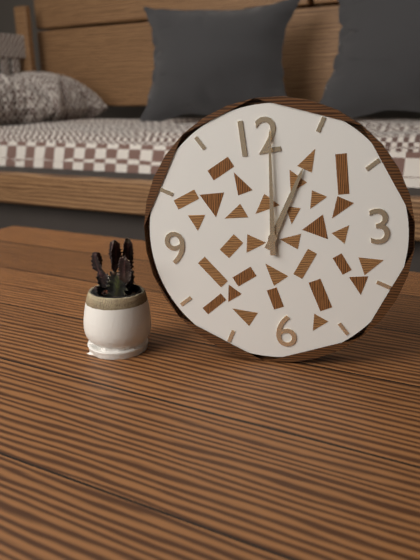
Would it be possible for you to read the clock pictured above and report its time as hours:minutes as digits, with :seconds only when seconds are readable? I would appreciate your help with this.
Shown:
1:01
